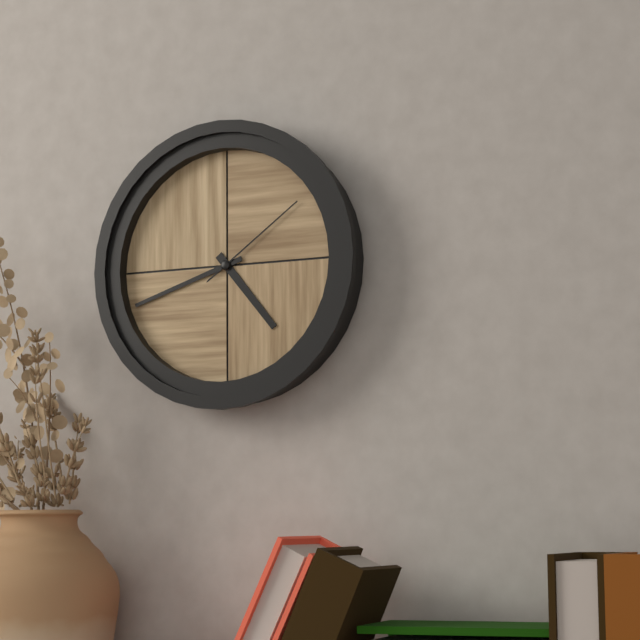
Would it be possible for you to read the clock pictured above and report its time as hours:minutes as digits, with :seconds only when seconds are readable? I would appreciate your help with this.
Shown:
4:42:09
